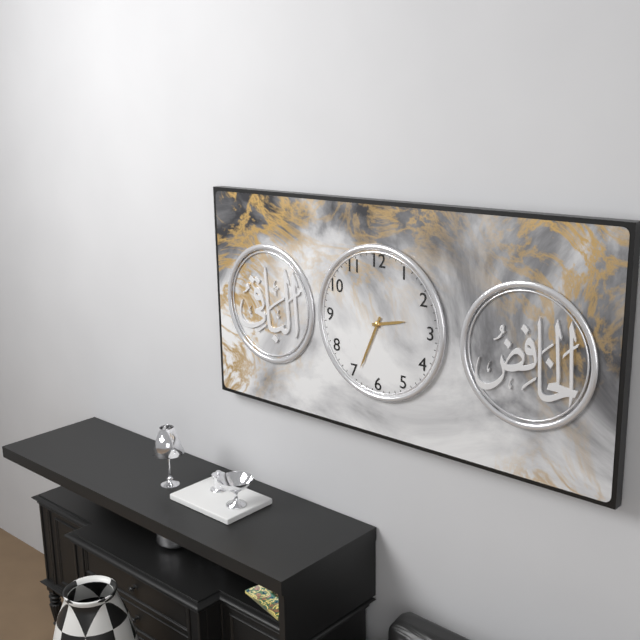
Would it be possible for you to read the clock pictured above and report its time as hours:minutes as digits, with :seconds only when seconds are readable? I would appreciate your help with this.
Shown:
2:34
